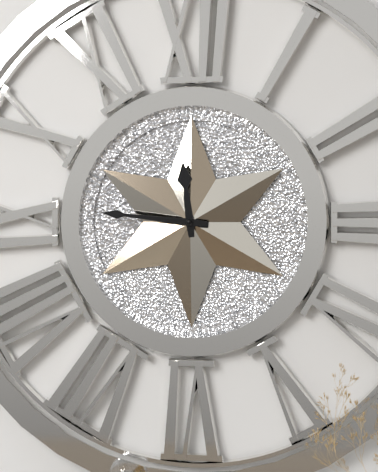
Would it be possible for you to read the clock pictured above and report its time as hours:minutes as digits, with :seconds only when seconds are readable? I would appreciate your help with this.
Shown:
11:46
